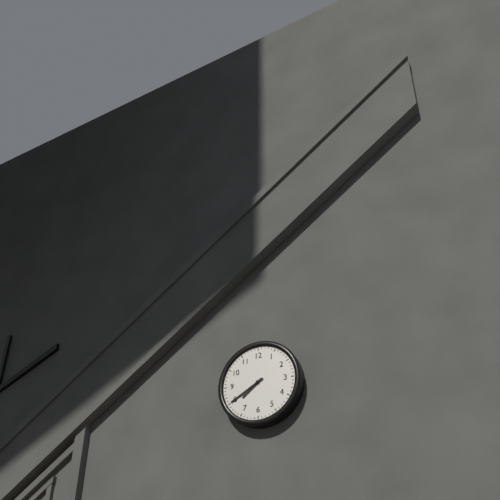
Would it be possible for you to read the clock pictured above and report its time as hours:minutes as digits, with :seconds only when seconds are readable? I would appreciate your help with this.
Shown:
7:40
